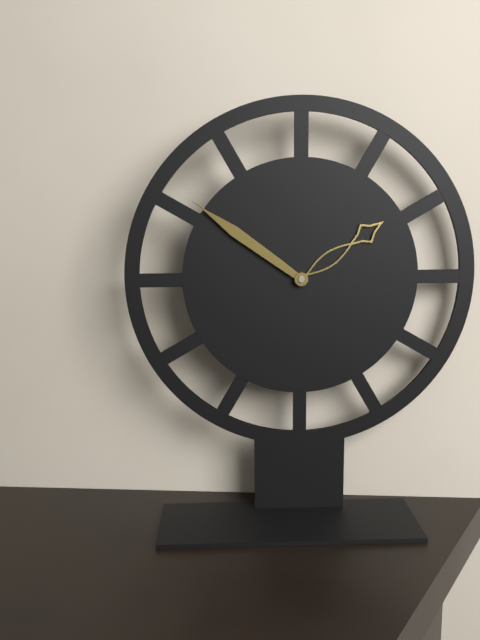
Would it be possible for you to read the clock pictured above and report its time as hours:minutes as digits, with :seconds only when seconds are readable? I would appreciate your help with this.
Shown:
1:51
